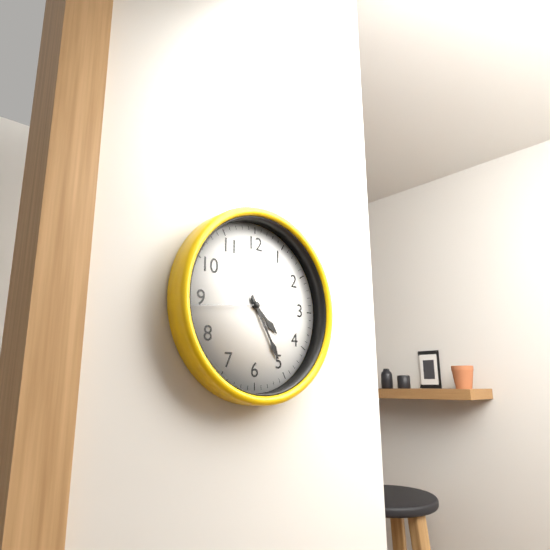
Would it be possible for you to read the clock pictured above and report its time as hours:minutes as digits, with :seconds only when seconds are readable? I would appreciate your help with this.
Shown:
4:25:44
